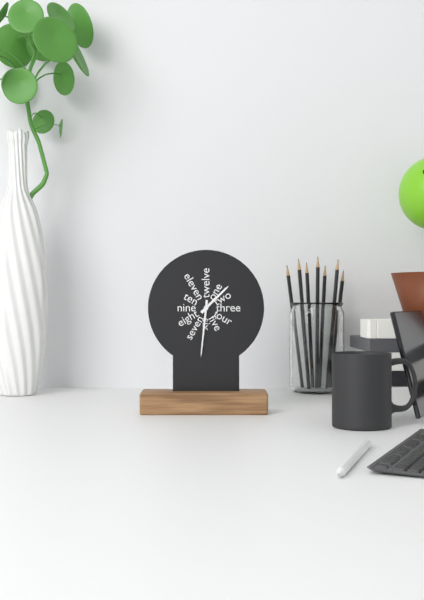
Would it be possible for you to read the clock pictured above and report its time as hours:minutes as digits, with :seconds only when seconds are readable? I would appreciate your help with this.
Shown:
1:31
